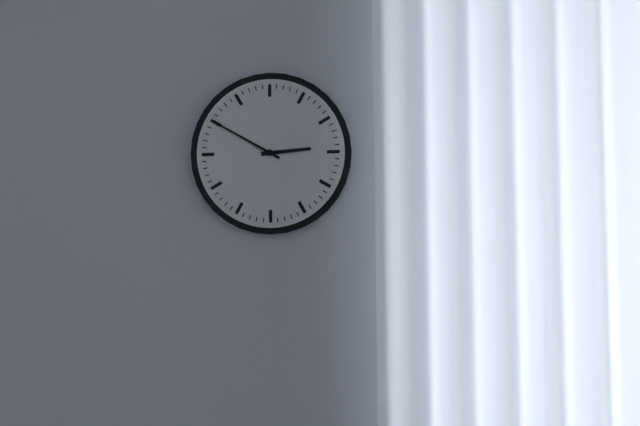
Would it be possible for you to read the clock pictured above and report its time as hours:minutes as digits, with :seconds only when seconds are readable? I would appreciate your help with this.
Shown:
2:50
